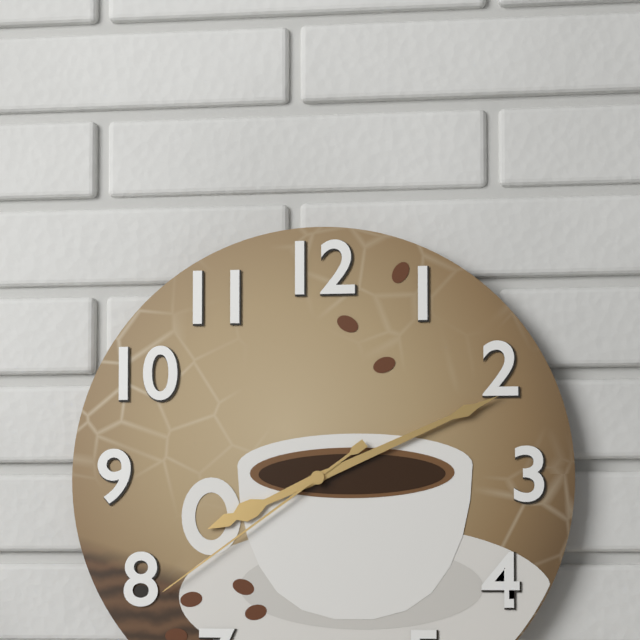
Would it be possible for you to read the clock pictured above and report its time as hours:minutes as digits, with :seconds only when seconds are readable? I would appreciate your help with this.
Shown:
8:11:39
